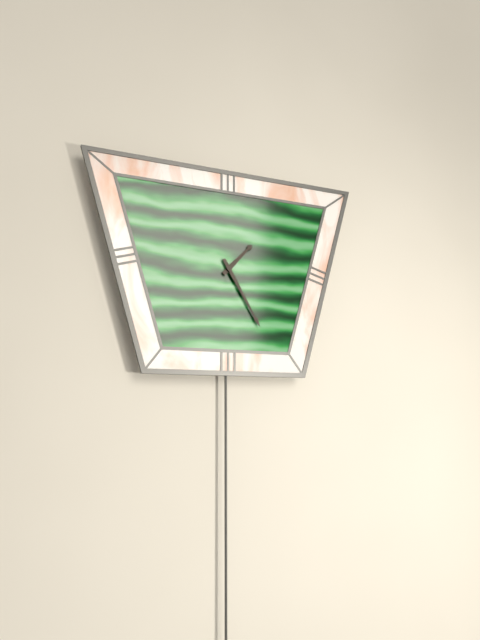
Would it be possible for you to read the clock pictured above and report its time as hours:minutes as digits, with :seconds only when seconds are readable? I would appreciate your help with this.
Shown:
1:25
